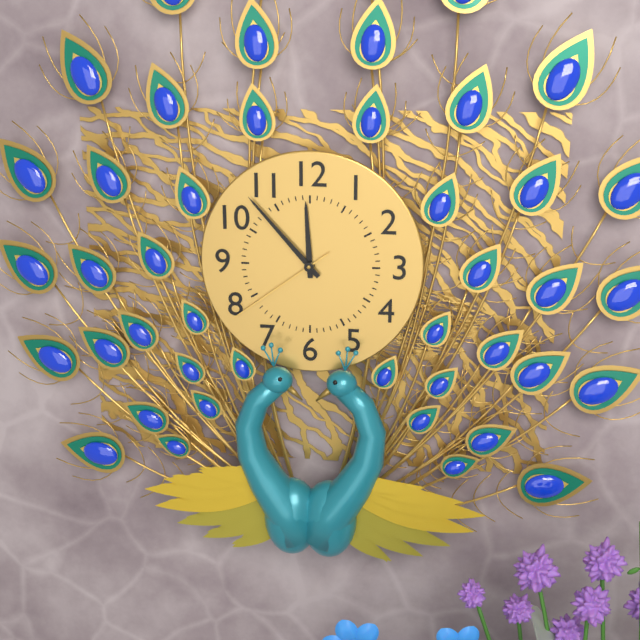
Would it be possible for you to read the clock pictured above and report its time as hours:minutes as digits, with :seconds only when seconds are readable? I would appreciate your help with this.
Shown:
11:53:39
